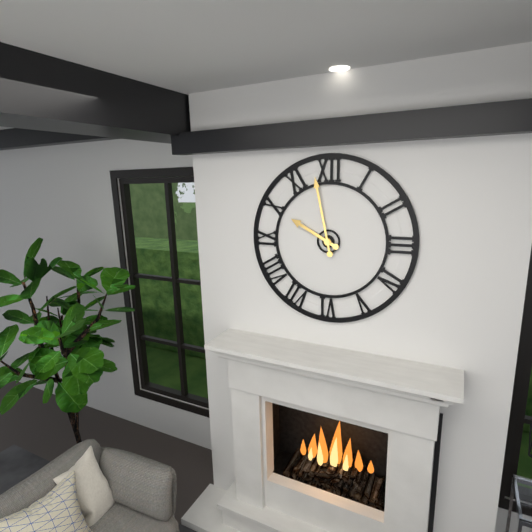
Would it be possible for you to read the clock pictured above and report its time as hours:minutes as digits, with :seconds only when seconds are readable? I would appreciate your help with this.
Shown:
9:58
